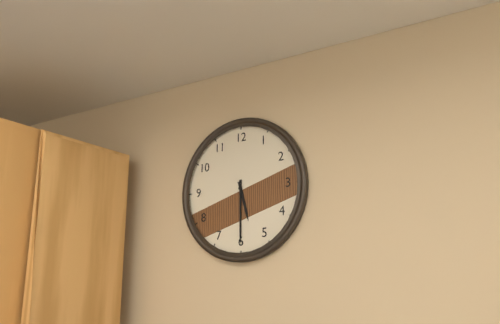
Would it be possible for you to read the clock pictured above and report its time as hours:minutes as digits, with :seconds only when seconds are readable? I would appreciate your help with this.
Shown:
5:30
